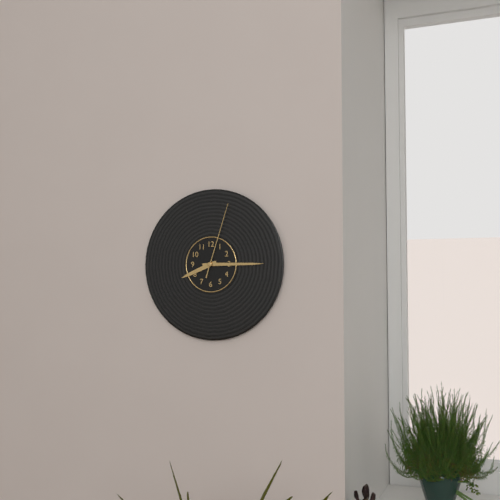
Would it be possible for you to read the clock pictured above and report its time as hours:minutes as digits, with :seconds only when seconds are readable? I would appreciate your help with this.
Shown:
8:15:03
